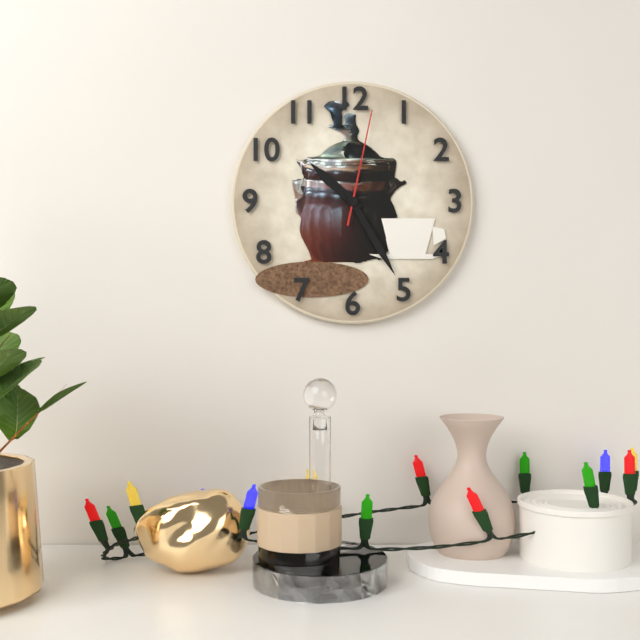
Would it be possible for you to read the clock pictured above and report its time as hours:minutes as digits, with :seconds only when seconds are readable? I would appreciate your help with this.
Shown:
10:25:02
